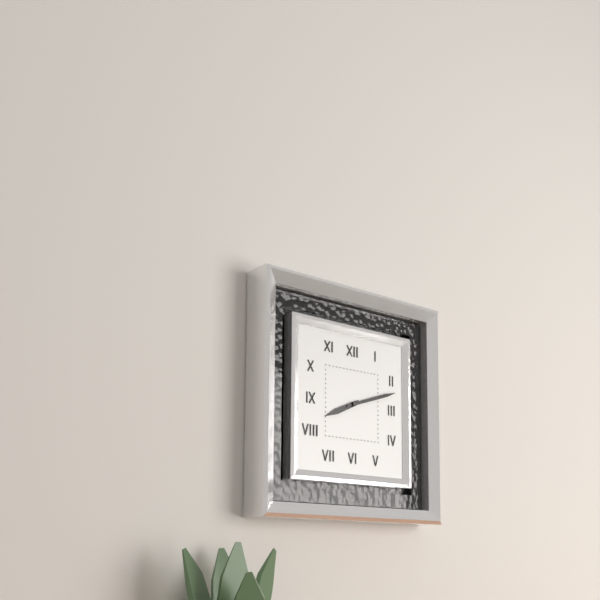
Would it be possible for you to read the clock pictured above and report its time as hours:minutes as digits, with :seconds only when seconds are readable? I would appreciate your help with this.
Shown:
8:12
